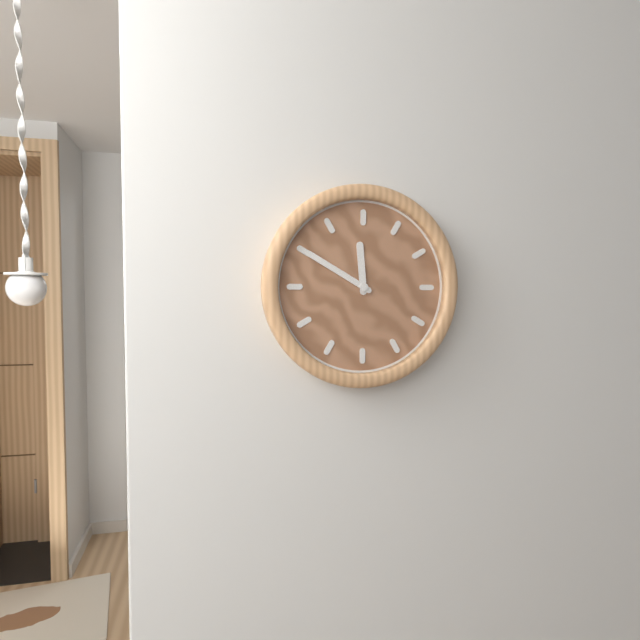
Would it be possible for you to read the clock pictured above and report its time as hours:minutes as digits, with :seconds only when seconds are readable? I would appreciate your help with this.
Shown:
11:50
